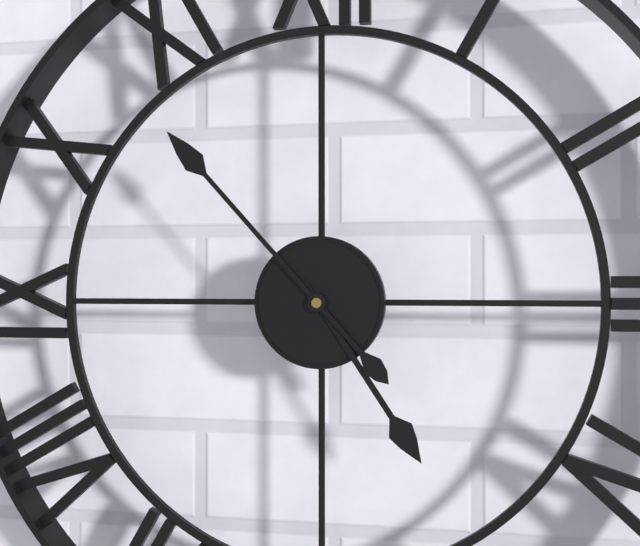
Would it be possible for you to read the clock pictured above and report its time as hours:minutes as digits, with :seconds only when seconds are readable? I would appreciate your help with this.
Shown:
4:53
